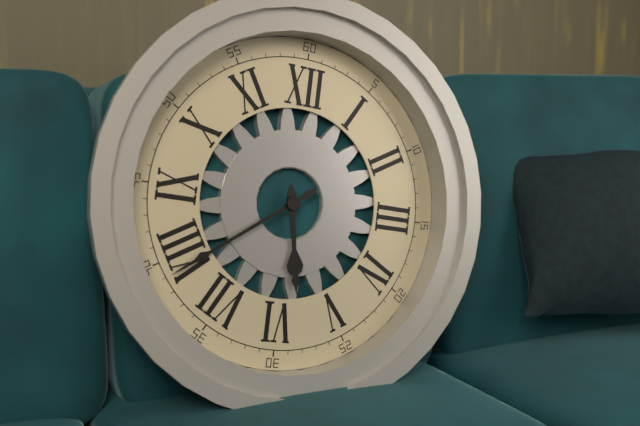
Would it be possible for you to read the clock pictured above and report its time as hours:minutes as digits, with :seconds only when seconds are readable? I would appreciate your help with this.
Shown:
5:39
